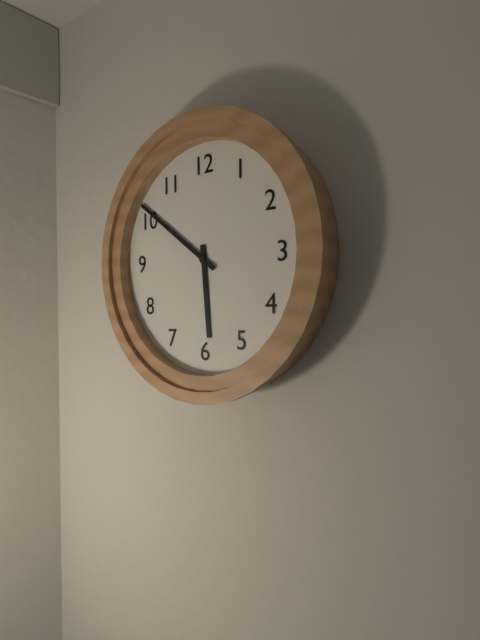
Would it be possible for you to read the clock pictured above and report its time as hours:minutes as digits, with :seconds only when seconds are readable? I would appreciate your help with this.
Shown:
5:51
